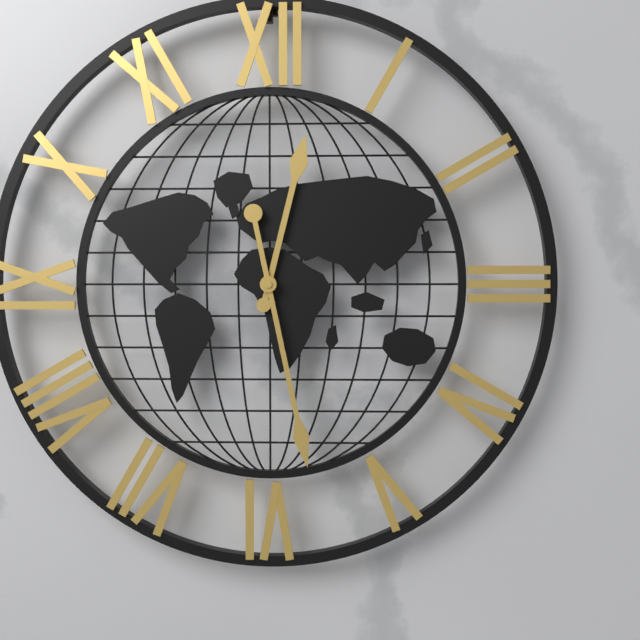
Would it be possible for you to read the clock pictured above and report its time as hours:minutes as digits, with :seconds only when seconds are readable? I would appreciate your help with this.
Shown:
12:28
